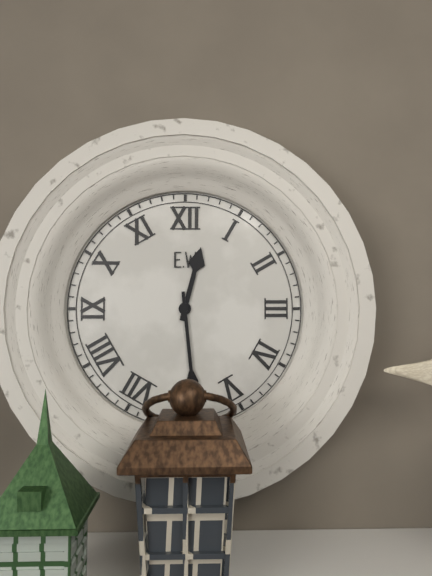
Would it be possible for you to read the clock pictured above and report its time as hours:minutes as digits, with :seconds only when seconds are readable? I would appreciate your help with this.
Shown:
12:29
